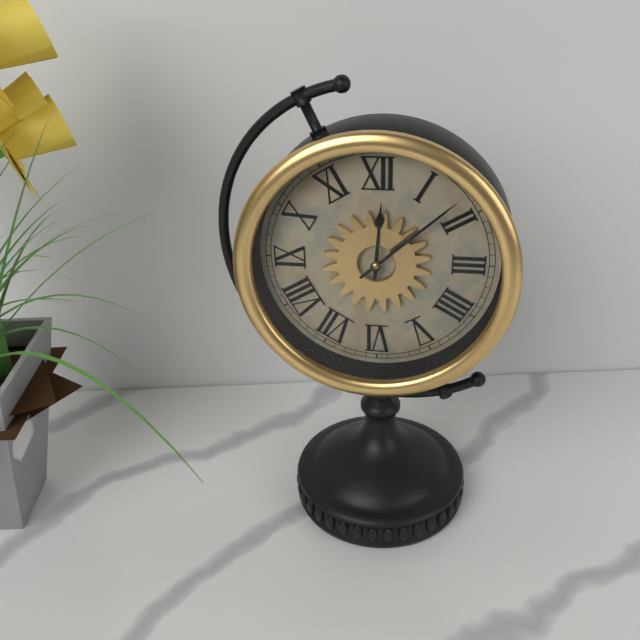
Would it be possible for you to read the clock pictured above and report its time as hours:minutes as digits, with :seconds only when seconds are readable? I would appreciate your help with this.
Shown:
12:08
